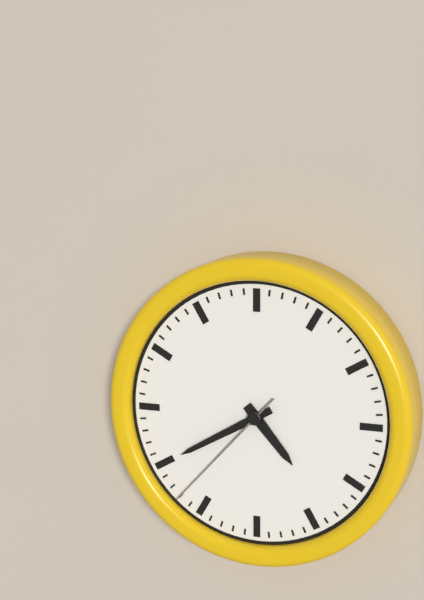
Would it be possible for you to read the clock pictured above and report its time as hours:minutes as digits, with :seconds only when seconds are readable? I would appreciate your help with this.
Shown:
4:40:37
